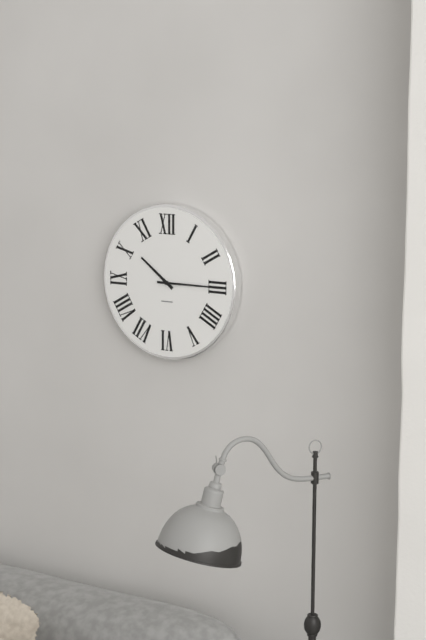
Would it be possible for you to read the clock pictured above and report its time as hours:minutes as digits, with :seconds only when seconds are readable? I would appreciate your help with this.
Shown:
10:15
